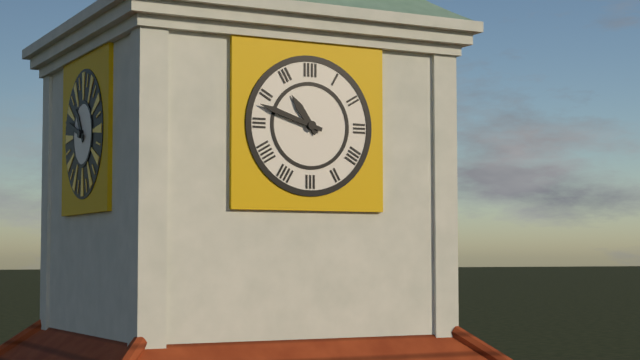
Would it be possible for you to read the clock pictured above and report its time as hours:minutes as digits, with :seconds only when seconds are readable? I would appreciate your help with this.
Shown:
10:48
